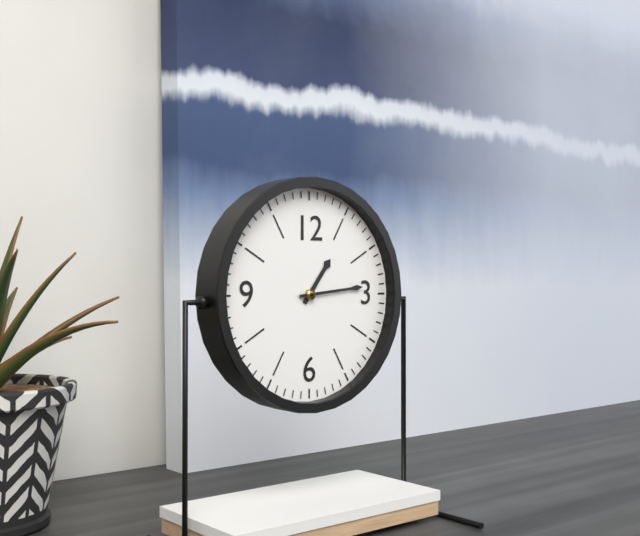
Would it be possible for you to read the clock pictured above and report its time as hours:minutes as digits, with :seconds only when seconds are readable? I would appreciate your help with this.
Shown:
1:14
